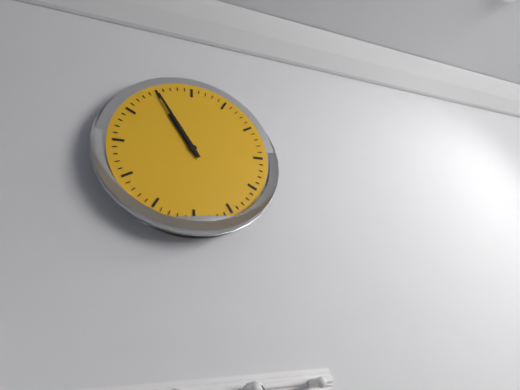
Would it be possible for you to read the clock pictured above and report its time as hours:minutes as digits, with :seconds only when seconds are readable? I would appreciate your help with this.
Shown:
10:55
